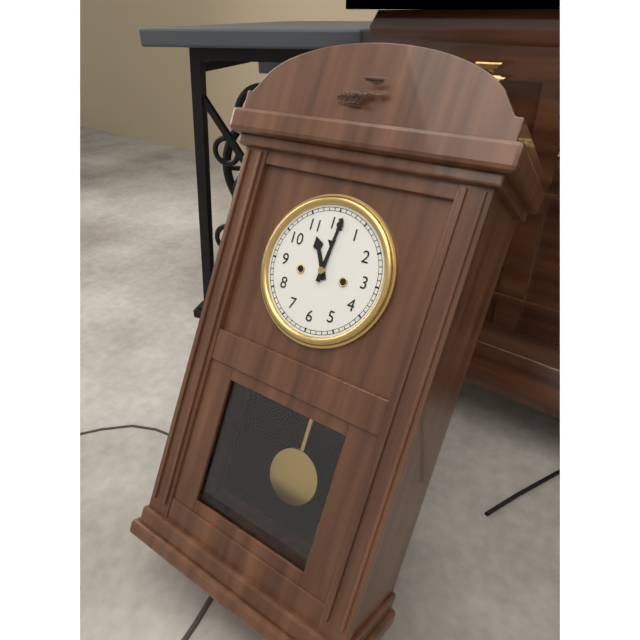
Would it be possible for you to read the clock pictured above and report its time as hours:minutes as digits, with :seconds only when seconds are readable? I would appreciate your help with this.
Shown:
11:01
